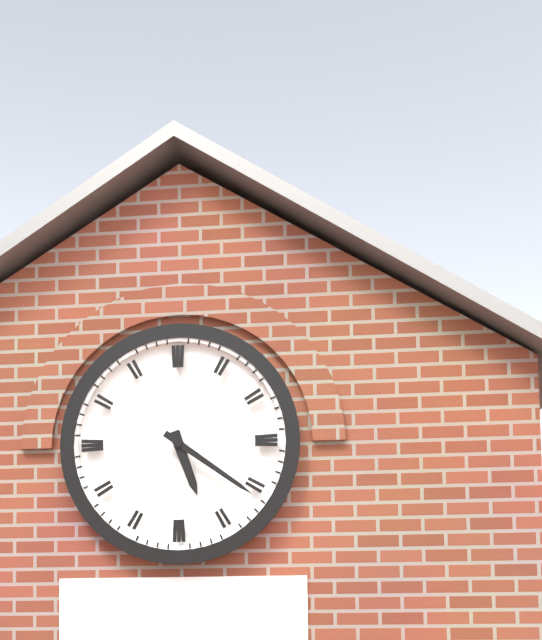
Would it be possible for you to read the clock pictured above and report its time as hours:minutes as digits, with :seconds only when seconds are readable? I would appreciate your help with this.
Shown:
5:21
